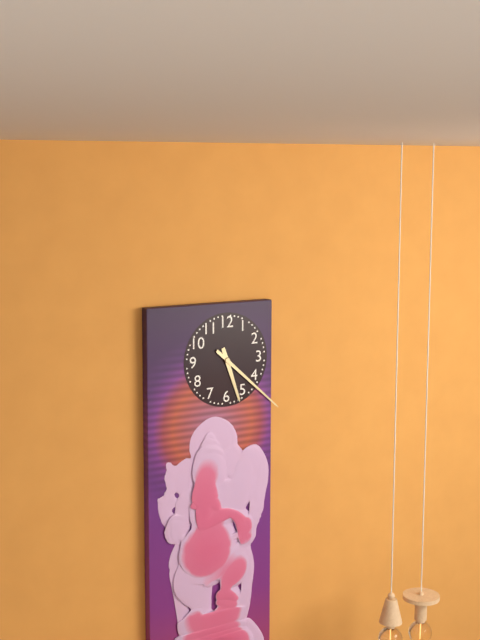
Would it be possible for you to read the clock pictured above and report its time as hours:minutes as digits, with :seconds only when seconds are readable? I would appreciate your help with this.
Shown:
5:22
